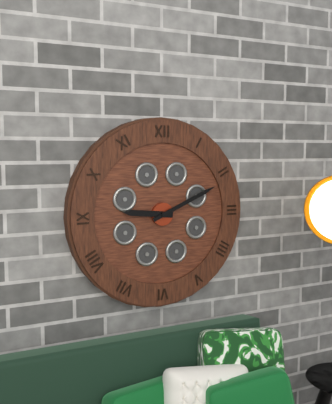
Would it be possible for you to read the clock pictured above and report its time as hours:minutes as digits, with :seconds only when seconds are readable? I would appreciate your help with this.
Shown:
9:11
